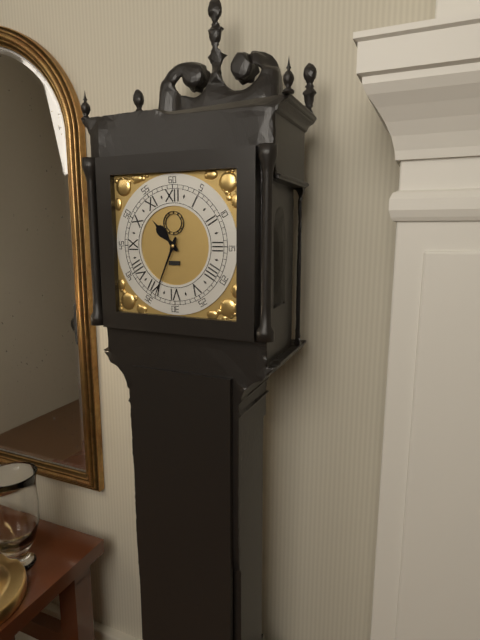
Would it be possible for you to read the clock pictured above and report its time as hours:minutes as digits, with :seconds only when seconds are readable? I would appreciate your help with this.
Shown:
10:34
